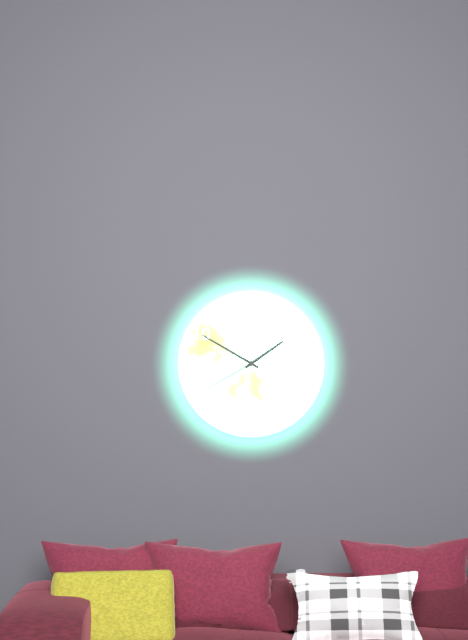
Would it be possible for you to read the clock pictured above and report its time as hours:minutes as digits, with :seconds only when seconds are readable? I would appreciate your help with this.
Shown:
1:50:40
